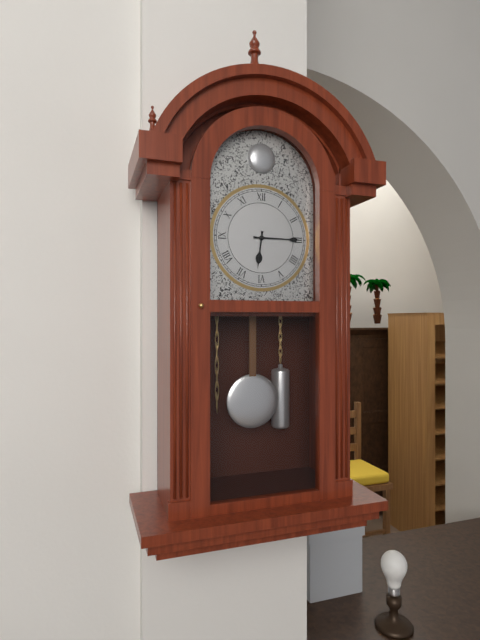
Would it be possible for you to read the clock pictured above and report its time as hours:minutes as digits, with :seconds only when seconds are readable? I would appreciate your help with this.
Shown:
6:15
